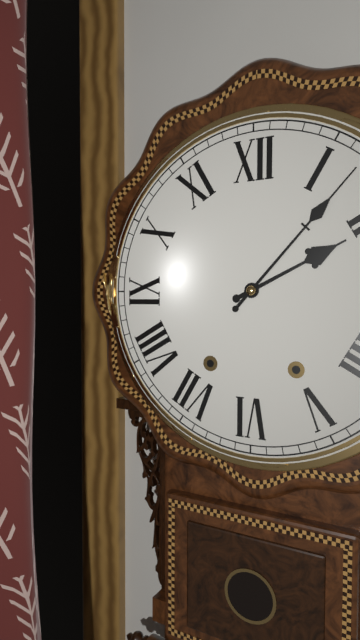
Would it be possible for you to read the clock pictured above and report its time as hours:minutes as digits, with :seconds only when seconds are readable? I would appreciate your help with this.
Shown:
2:07
